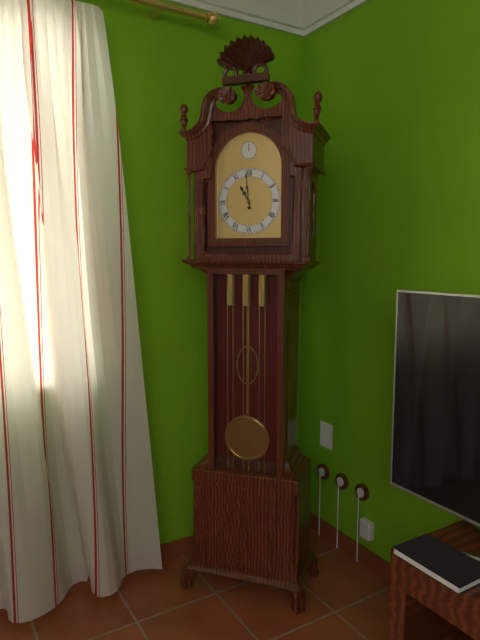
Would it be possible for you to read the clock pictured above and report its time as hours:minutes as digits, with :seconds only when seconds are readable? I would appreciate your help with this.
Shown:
10:59
